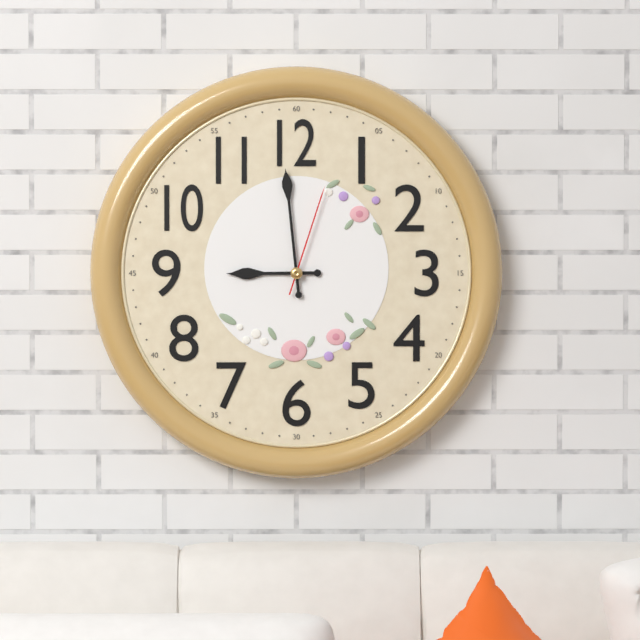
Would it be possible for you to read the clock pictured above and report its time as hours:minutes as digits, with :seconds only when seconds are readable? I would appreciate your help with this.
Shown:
8:59:03
